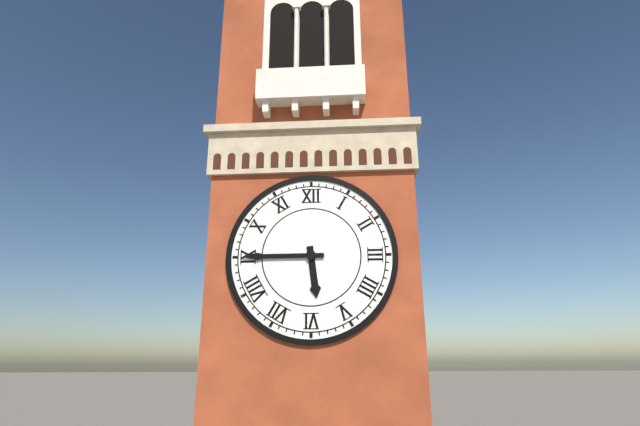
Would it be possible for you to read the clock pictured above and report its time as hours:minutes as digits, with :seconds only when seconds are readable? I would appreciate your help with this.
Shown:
5:45
